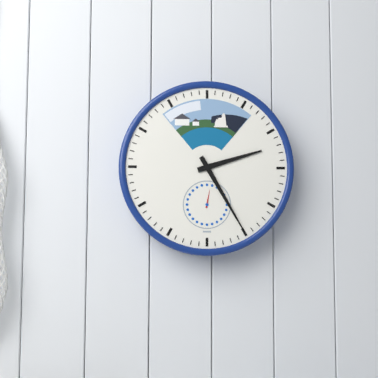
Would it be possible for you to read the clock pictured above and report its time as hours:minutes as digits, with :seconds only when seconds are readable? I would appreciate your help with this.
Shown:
2:25
